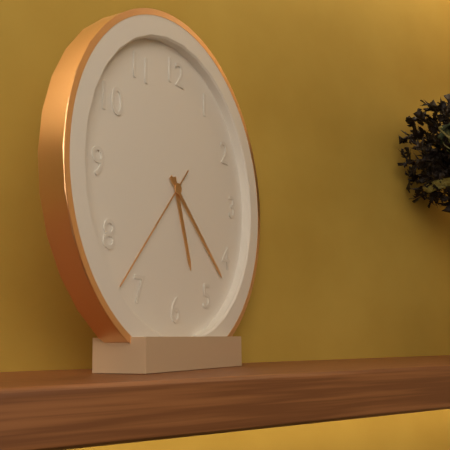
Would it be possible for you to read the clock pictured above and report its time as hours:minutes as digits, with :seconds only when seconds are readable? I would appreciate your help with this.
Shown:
5:22:37
